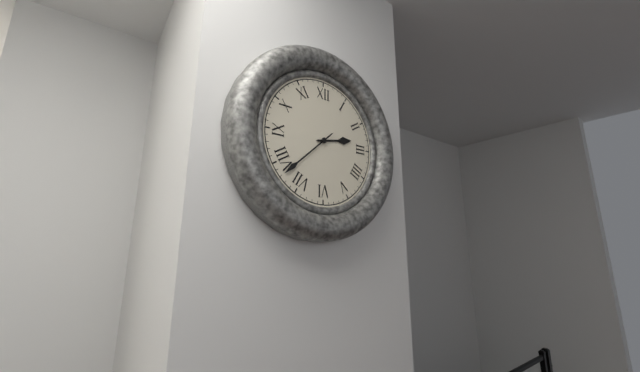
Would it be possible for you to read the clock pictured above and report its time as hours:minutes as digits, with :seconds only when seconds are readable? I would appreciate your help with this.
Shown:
2:38
